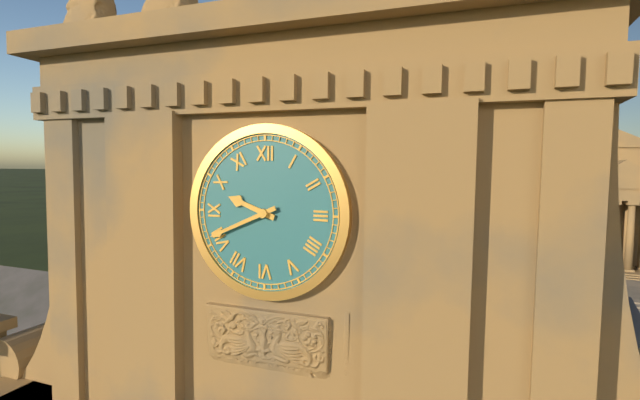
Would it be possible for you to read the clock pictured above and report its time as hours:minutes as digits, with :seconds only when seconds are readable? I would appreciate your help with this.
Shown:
9:41
